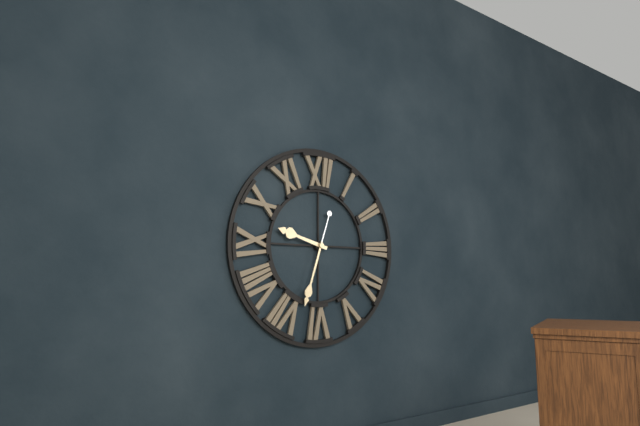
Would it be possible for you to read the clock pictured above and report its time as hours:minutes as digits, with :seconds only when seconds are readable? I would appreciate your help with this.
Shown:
9:33
